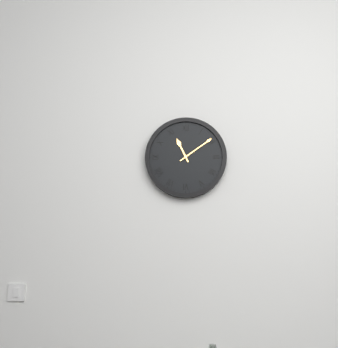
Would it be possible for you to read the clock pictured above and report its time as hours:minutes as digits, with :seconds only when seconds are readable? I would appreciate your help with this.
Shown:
11:09
